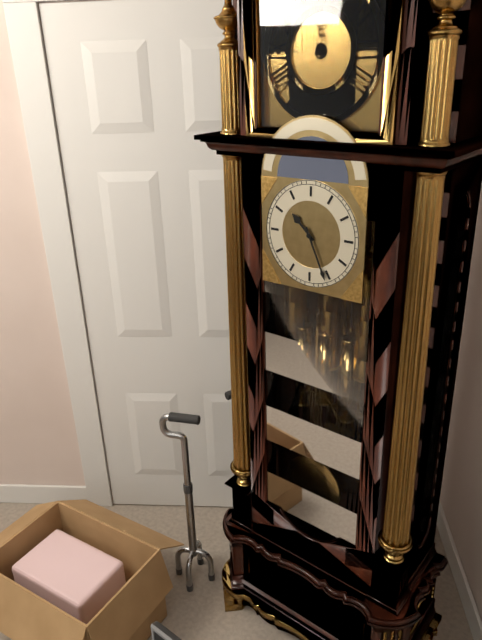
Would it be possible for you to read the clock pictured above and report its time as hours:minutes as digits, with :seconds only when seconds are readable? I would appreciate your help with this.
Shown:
10:26
